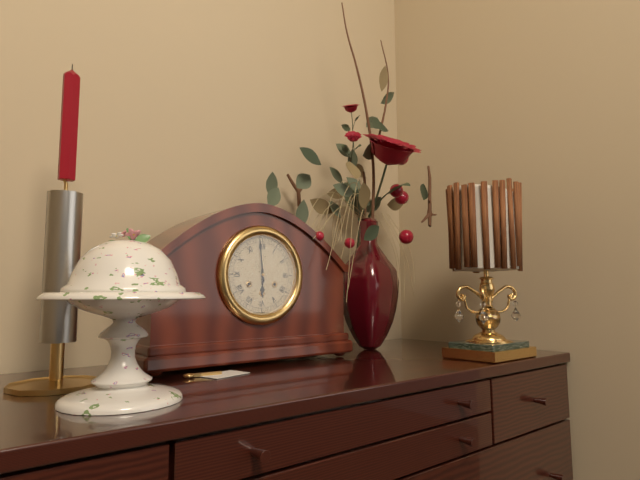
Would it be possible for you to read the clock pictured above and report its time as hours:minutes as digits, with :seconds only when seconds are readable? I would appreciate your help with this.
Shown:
5:59
